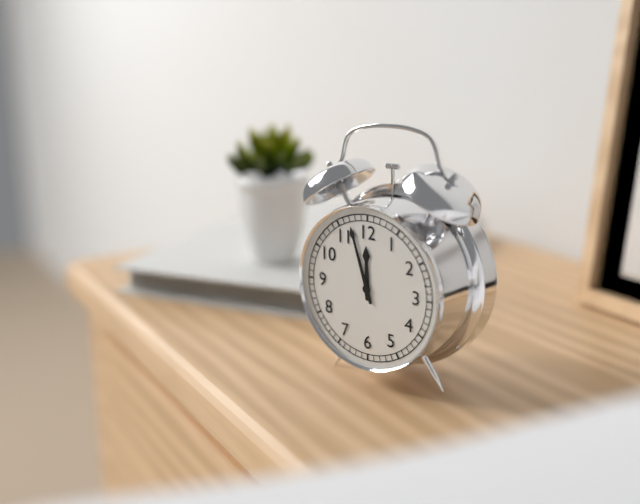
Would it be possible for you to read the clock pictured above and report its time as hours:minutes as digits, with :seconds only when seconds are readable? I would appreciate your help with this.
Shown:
11:57
